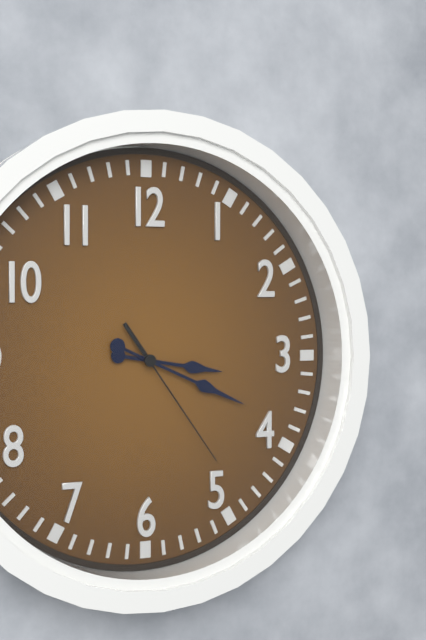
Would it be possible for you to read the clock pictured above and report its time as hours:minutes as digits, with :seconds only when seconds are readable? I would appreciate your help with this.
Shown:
3:19:24
